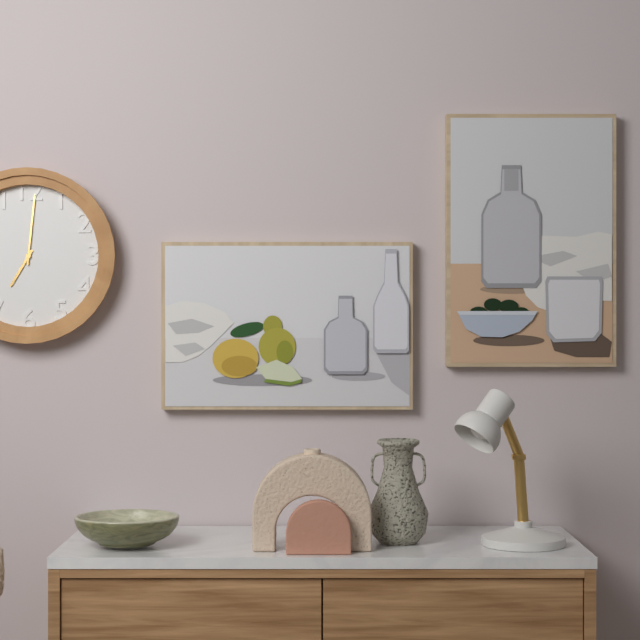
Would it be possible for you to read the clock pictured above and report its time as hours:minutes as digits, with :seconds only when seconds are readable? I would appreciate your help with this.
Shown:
7:01
